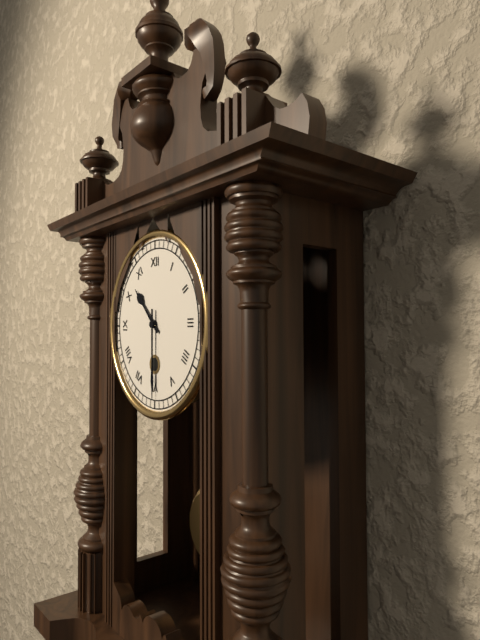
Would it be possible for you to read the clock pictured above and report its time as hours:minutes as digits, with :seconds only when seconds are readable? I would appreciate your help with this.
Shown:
10:30
